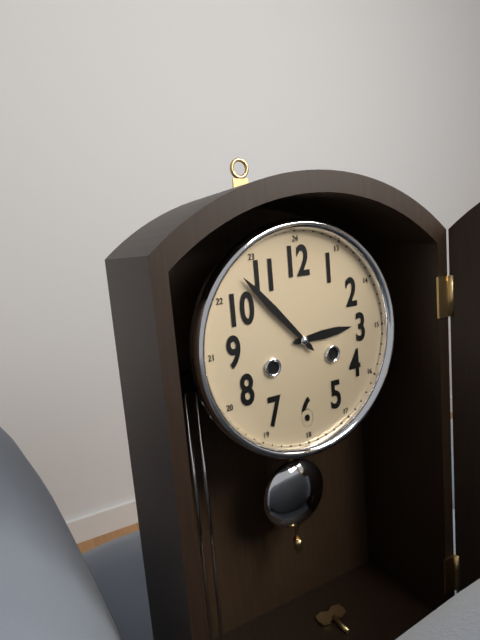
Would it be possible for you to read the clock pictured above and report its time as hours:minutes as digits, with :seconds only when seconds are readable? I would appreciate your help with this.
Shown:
2:53
